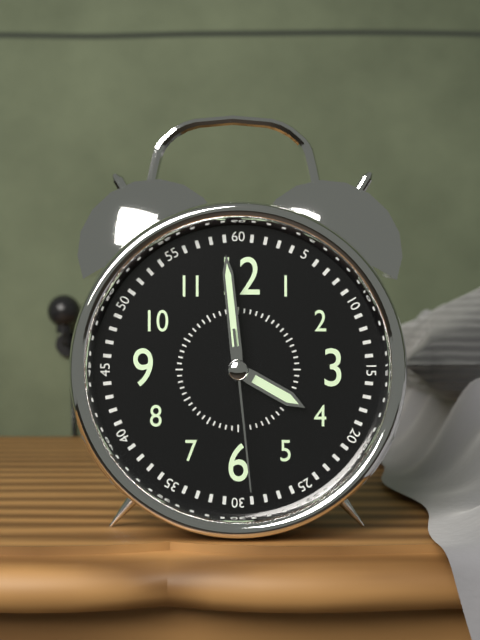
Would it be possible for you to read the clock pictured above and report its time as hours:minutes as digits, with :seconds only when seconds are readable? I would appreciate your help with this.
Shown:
3:59:29
